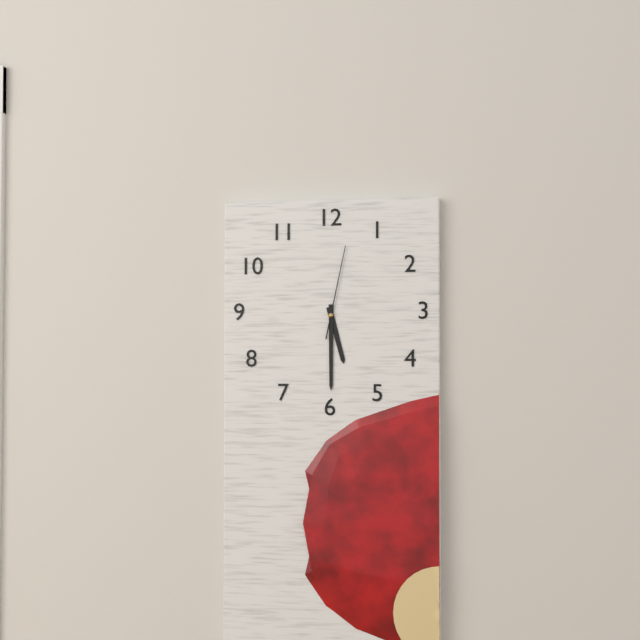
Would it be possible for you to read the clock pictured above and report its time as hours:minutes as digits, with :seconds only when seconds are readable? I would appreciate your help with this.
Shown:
5:30:02
